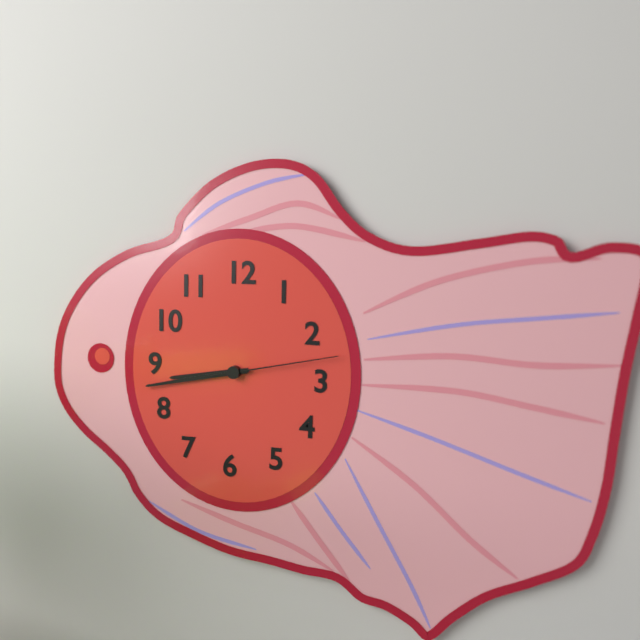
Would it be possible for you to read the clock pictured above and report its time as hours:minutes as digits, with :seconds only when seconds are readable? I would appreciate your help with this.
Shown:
8:43:13
